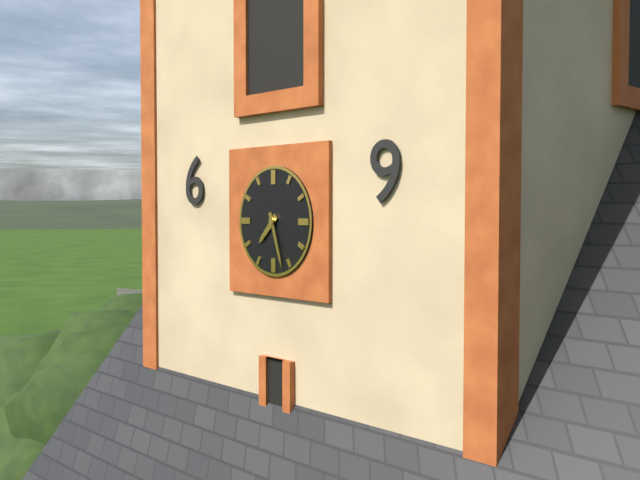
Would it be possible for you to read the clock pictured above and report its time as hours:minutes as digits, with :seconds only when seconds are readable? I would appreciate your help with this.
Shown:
7:27
